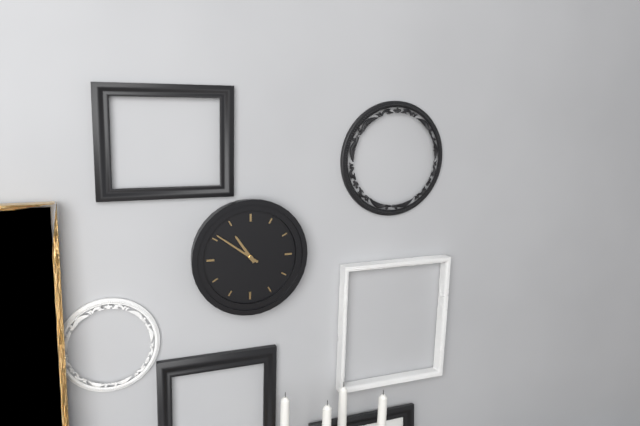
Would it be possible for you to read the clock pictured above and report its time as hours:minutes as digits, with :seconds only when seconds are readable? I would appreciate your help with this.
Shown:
10:51
